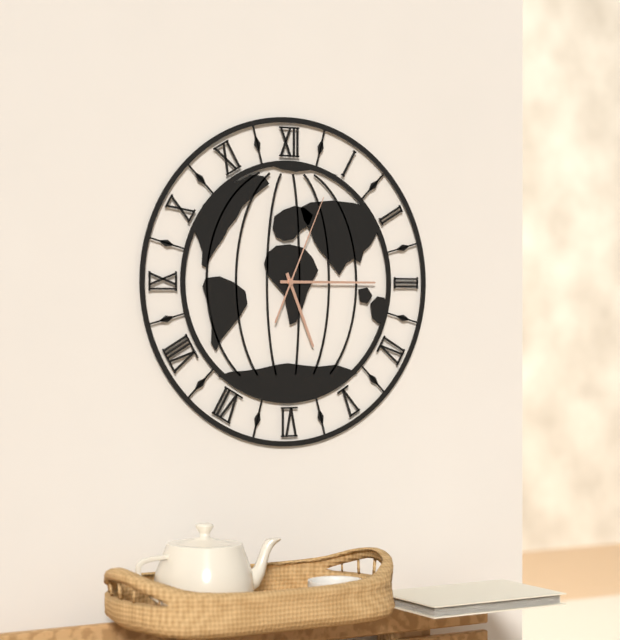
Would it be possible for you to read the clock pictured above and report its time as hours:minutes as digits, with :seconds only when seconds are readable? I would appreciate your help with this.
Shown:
5:15:04
